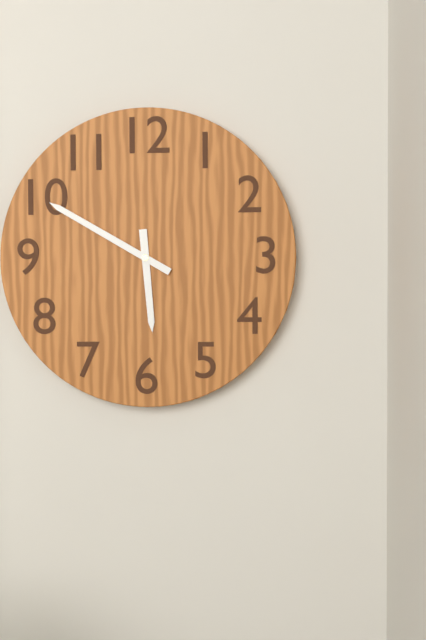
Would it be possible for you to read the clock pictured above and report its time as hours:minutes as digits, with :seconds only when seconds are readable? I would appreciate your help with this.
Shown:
5:50
